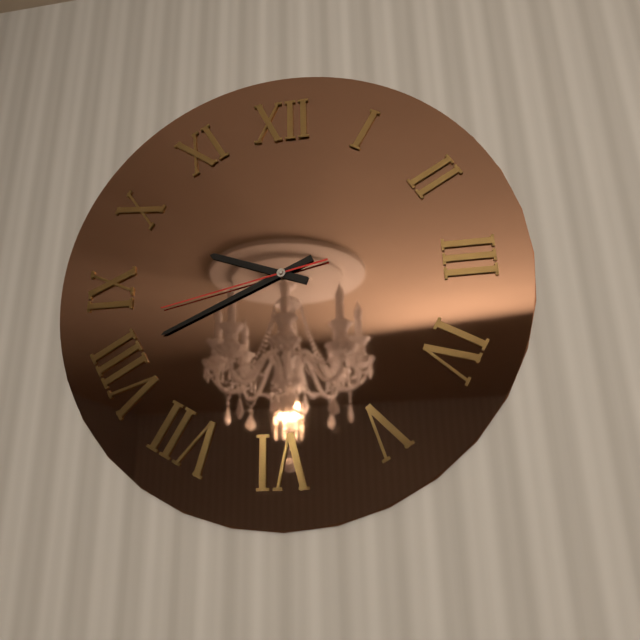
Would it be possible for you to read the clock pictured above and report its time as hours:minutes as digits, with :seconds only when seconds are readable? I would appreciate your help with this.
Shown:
9:41:43
